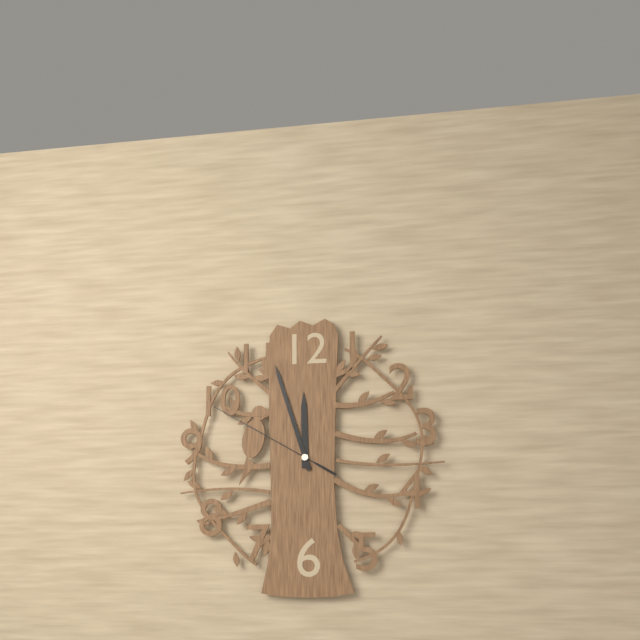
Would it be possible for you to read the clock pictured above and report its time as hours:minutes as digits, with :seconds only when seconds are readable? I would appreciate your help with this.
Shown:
11:57:50
